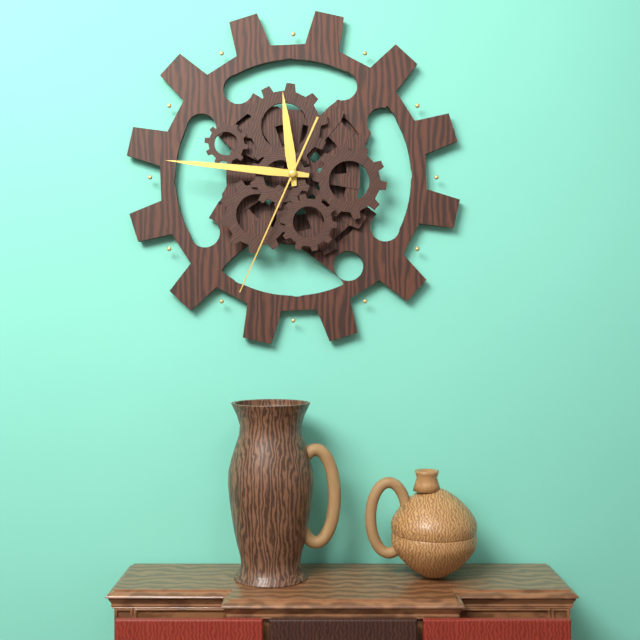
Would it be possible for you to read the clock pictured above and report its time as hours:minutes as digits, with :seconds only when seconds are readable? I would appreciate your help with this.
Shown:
11:46:34
